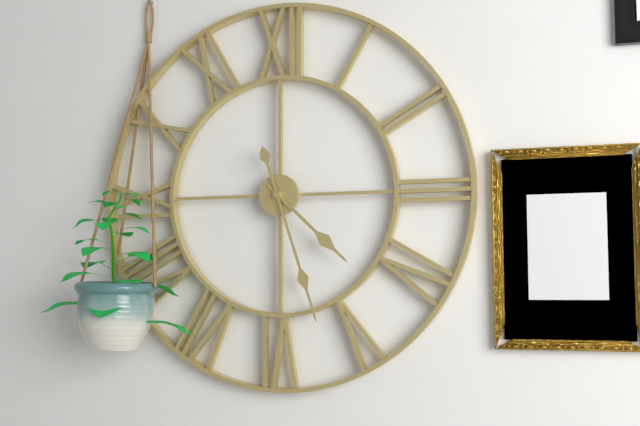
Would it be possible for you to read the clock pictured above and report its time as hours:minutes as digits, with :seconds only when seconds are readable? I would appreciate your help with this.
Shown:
4:27
